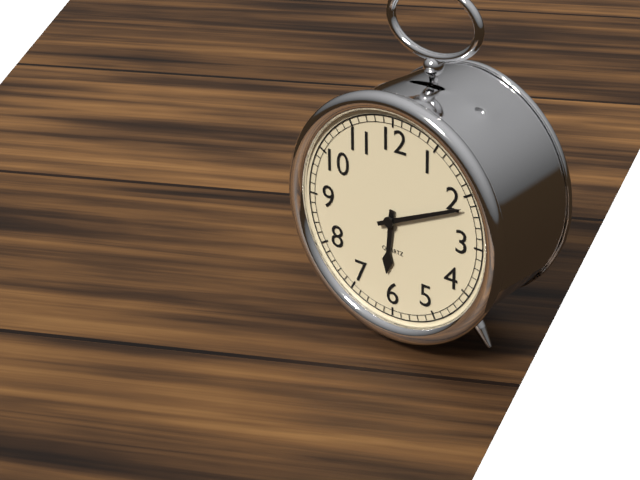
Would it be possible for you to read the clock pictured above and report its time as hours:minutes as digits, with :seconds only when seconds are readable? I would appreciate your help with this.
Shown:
6:11
